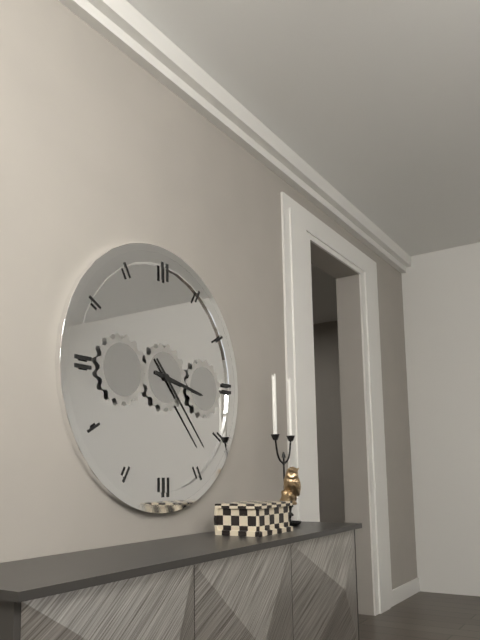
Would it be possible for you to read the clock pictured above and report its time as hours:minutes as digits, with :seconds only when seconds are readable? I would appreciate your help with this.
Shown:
3:23
